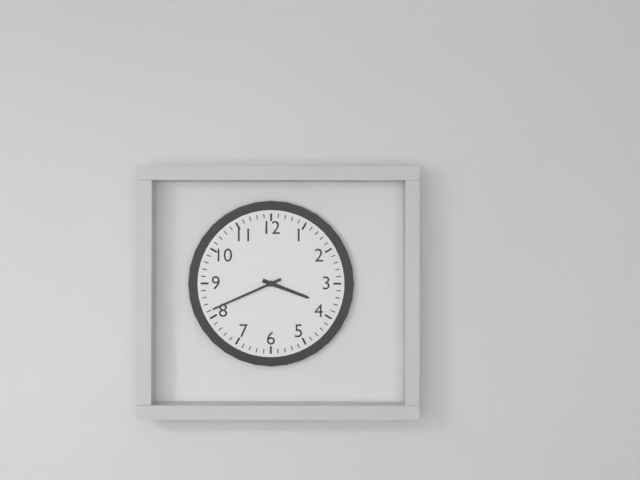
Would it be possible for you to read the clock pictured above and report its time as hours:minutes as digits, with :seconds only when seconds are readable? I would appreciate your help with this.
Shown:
3:41
